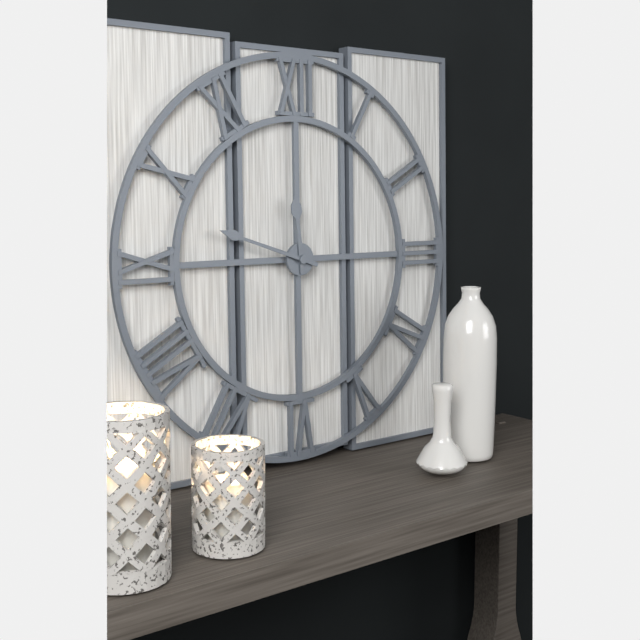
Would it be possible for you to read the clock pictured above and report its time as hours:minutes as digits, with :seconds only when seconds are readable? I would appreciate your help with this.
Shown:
11:48
